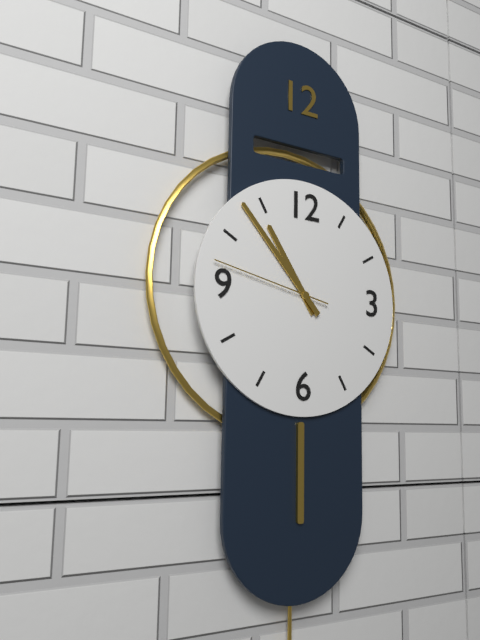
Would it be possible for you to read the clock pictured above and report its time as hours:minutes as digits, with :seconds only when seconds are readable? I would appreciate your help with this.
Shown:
10:53:47
